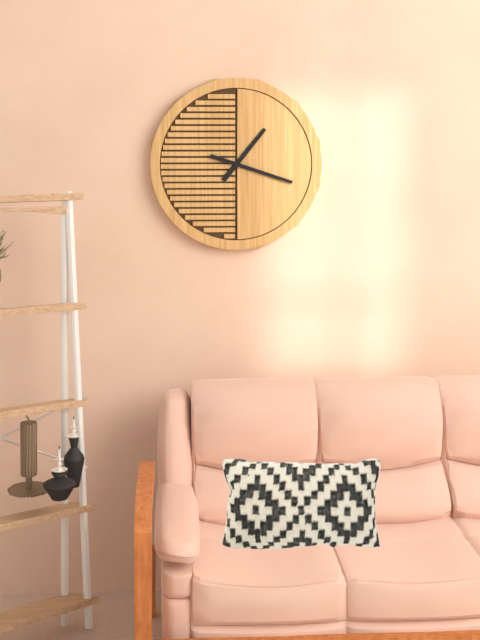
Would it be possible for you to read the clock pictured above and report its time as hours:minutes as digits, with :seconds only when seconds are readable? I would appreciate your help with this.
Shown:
1:18
